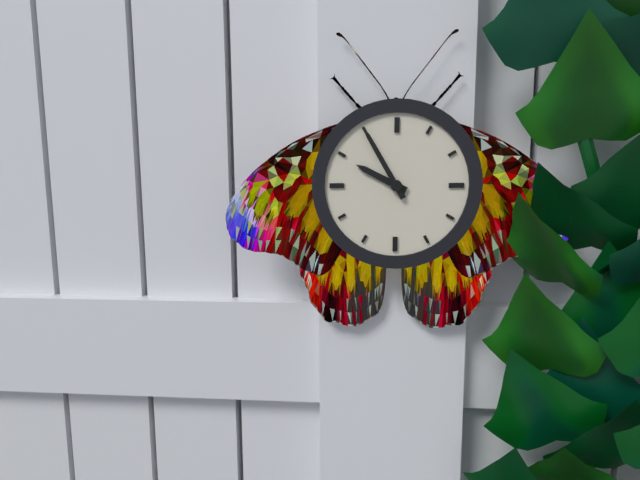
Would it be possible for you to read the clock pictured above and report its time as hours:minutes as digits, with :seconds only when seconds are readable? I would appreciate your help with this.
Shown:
9:55
